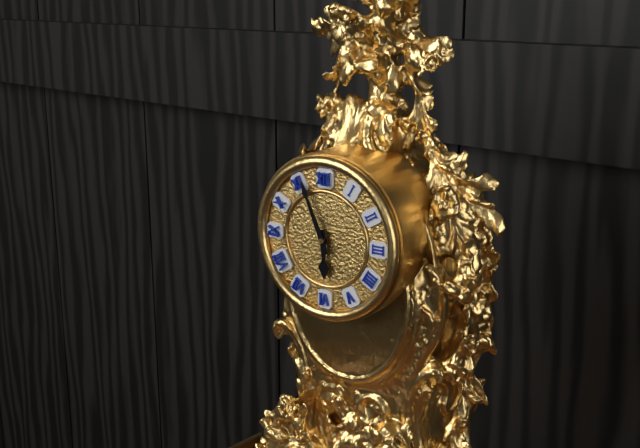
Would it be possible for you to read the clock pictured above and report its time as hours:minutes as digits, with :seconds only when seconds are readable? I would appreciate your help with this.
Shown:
5:56
